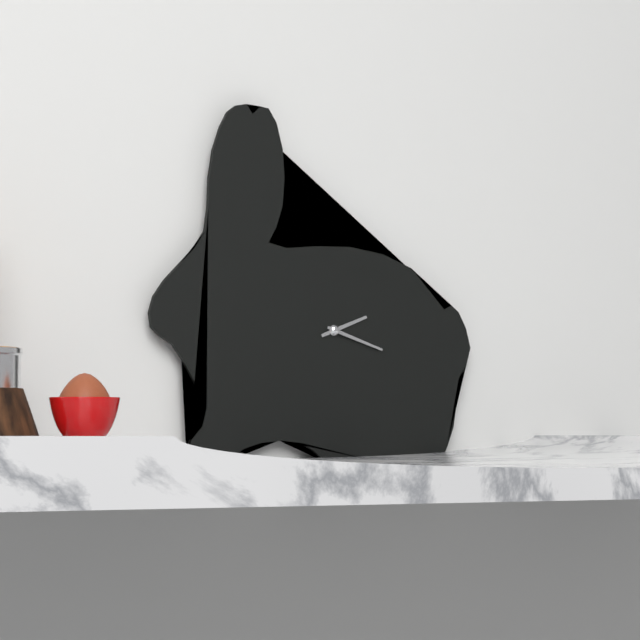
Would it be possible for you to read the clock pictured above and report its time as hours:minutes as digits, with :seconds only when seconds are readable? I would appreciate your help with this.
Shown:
2:18
